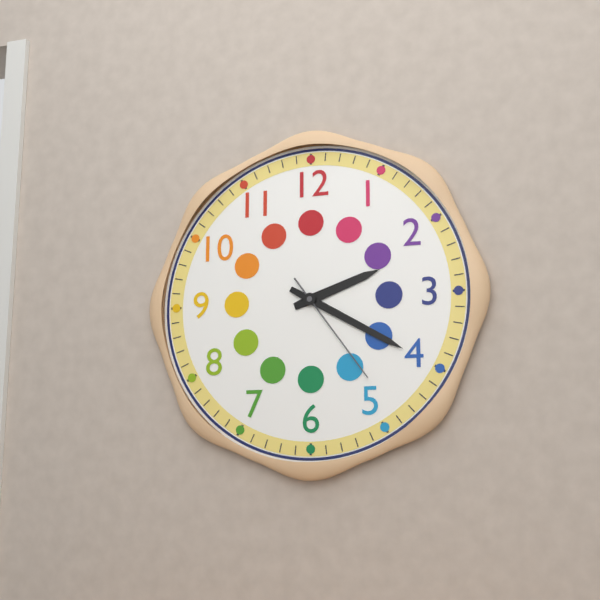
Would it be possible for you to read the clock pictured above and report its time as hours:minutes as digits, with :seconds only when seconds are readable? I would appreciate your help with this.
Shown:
2:20:24
